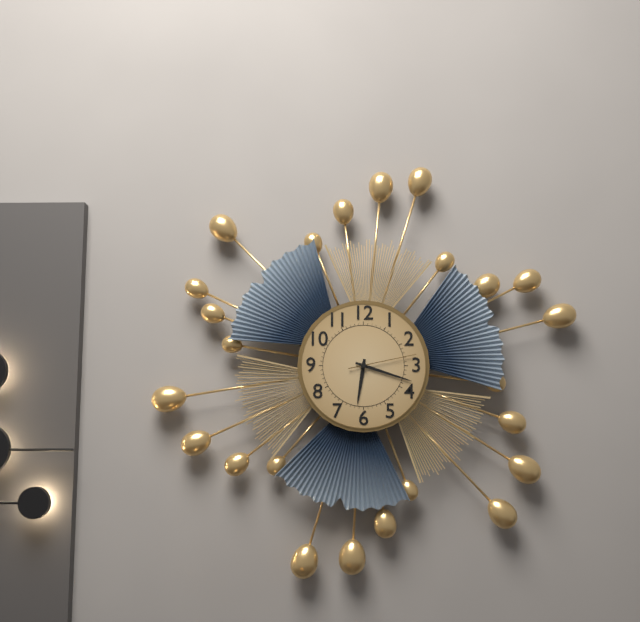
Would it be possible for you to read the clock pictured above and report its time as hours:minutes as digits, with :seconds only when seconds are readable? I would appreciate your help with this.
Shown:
6:18:13
